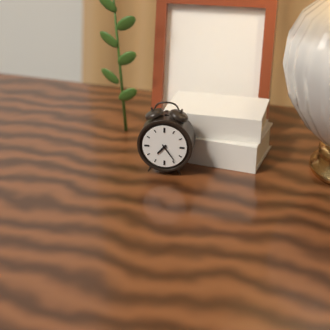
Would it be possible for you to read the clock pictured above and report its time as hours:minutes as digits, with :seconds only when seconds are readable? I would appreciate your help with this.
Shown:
7:24
